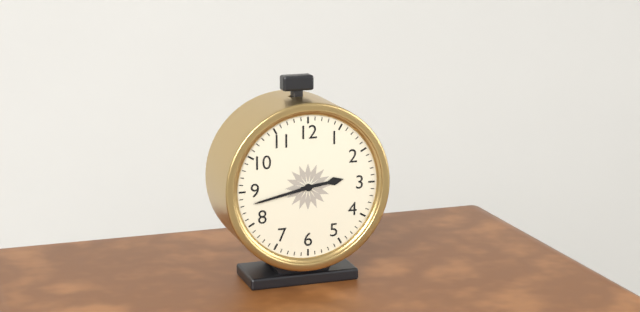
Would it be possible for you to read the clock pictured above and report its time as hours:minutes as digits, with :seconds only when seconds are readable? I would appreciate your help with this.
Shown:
2:43
